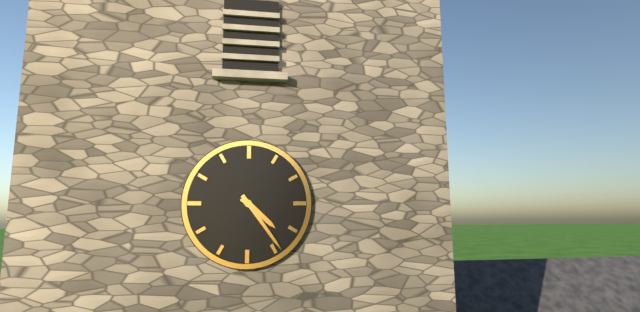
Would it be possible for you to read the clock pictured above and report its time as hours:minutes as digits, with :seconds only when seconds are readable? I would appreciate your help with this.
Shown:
4:24
